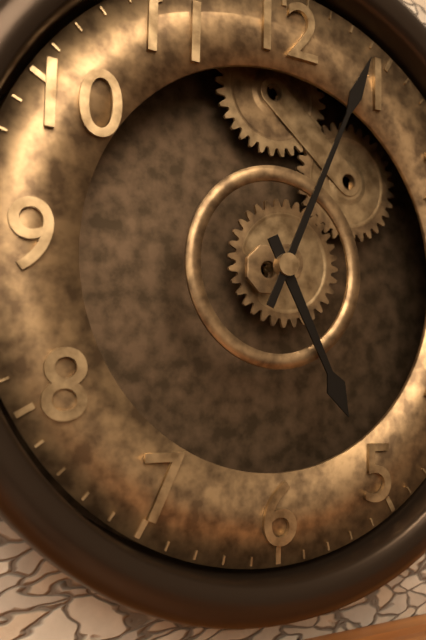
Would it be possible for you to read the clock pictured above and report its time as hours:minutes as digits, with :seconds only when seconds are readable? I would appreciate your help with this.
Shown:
5:04
